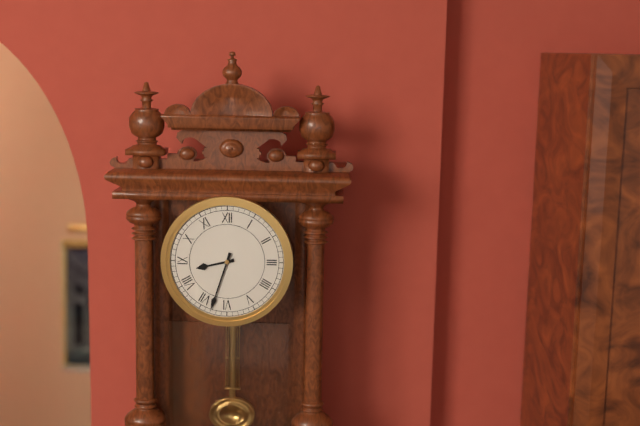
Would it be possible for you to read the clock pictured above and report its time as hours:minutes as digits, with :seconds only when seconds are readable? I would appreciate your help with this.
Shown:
8:33
